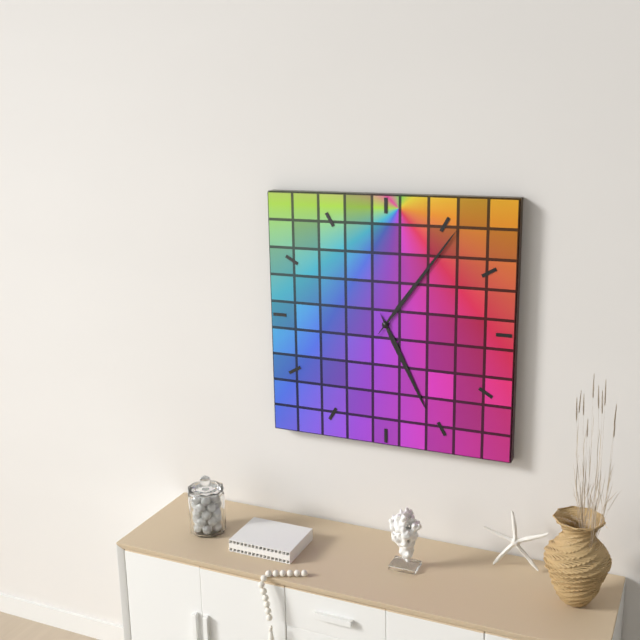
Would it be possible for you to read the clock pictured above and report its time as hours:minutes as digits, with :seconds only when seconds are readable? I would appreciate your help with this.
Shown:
5:06
